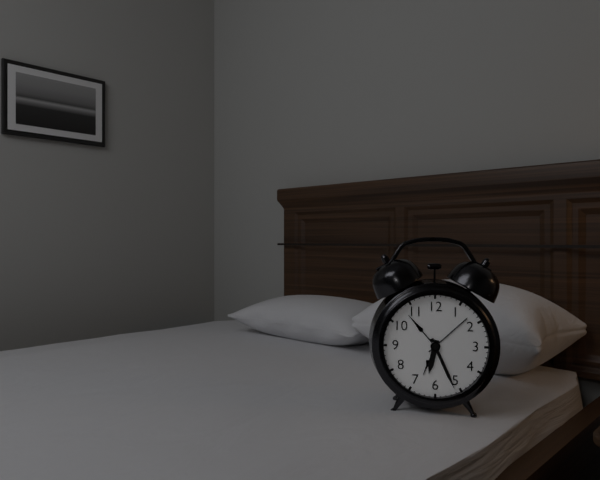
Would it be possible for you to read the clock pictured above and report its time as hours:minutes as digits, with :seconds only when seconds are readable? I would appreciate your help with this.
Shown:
6:26
